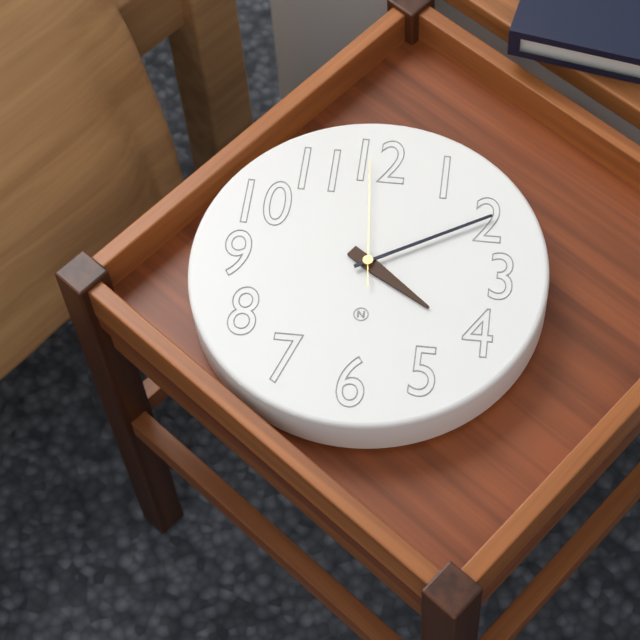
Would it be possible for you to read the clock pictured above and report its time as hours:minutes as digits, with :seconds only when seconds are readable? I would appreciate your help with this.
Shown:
4:10:59
